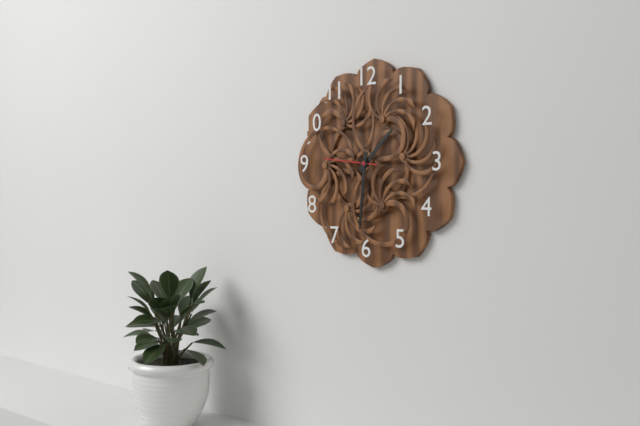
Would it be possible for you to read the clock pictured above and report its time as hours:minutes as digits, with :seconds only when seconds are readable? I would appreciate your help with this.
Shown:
1:31:46
